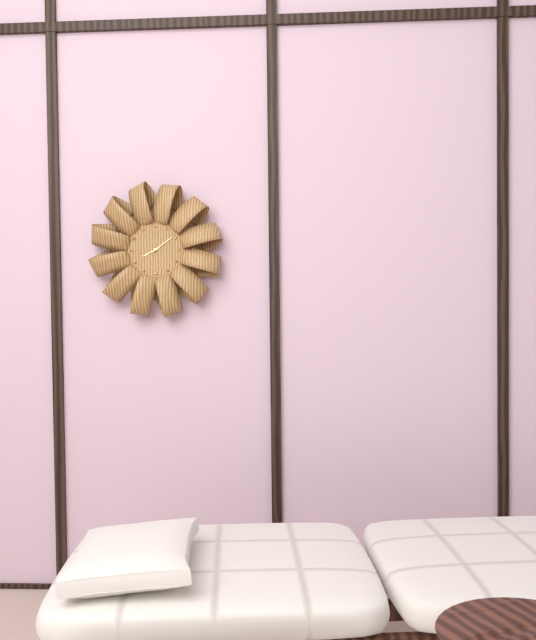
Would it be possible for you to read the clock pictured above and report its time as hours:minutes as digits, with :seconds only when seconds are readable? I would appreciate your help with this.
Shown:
8:09
